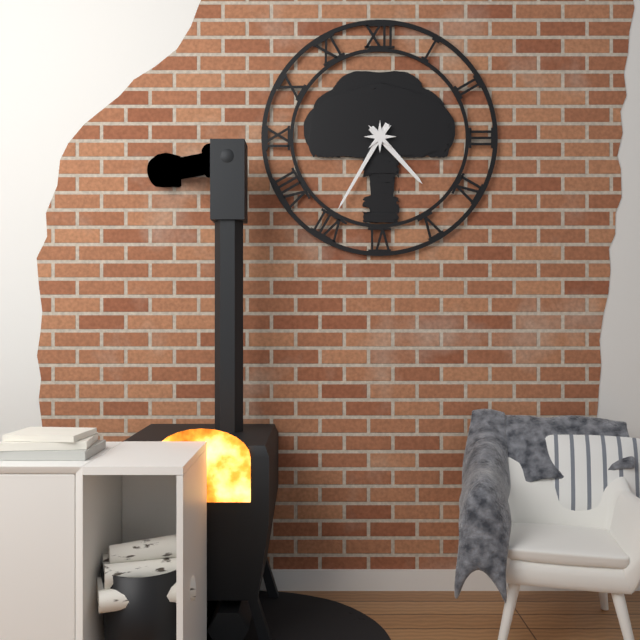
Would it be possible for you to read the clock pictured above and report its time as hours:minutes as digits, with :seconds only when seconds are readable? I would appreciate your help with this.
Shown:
4:35
